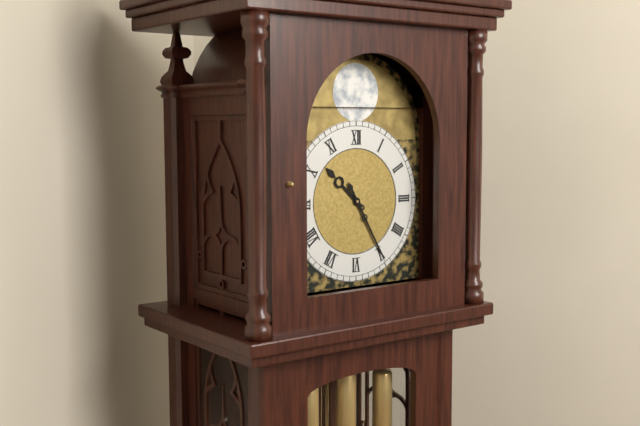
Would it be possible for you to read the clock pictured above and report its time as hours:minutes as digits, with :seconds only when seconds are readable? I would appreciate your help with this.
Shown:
10:25
